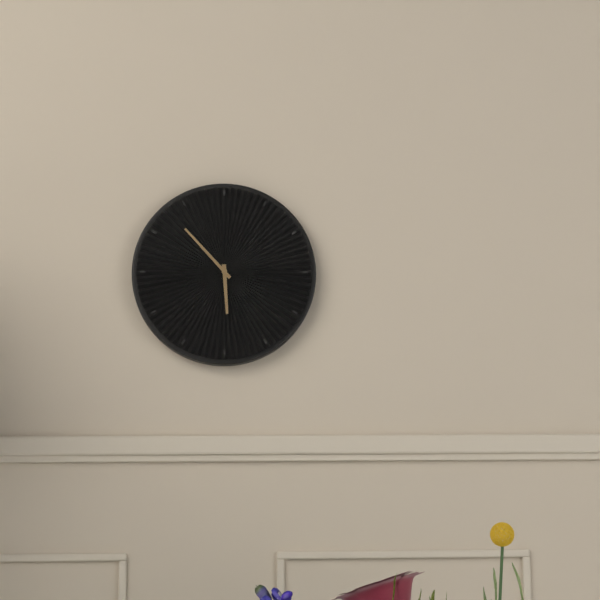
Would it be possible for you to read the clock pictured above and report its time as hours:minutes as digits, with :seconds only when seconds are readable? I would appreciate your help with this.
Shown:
5:53
